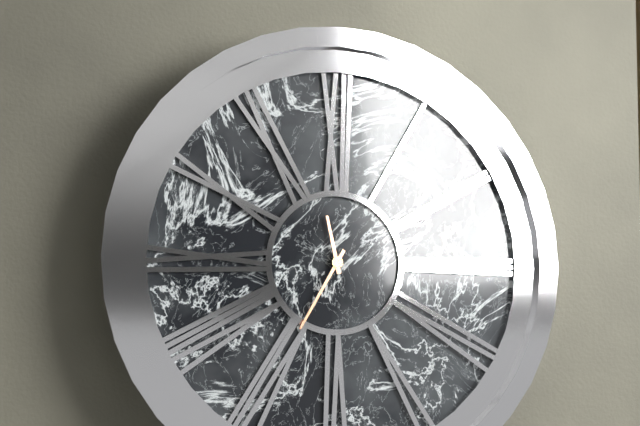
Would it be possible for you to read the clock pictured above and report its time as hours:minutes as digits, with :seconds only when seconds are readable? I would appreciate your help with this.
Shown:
11:35
